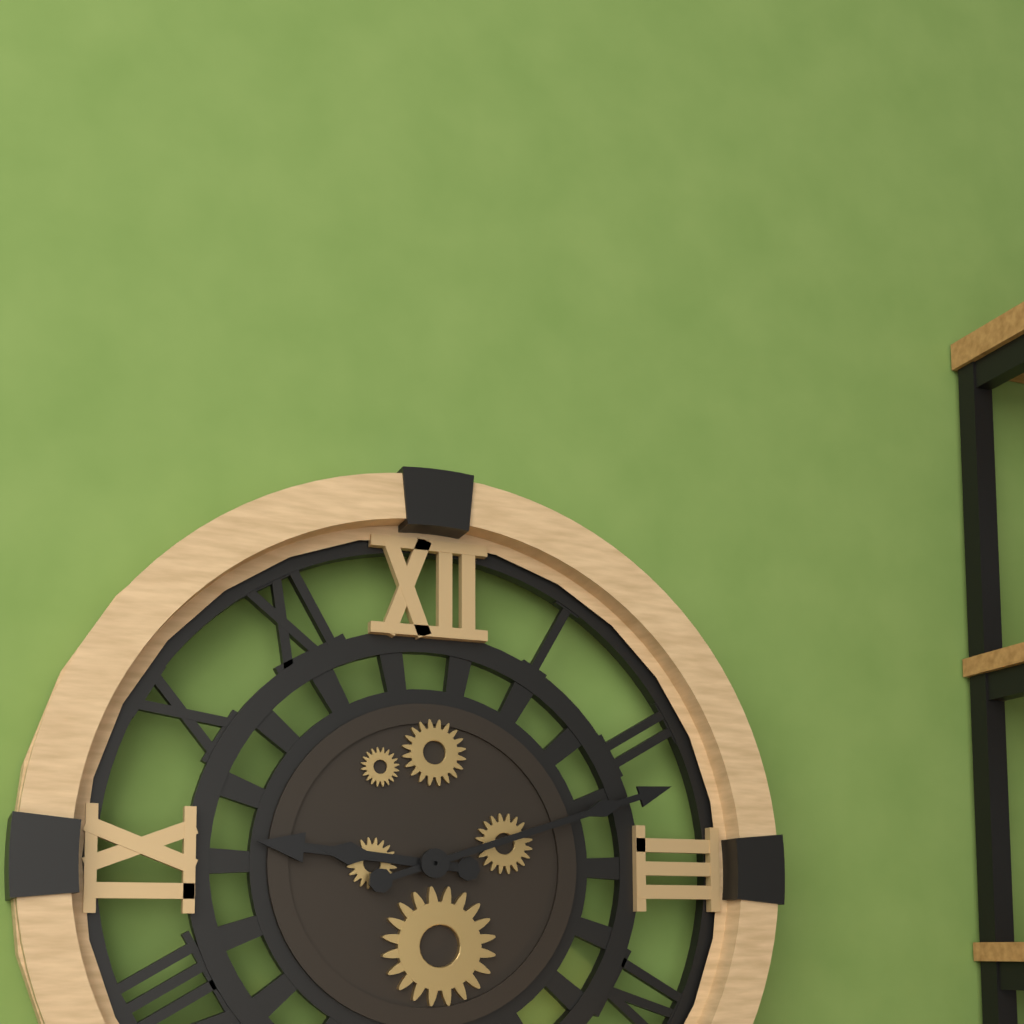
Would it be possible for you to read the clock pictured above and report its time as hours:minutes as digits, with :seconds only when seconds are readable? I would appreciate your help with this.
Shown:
9:12
